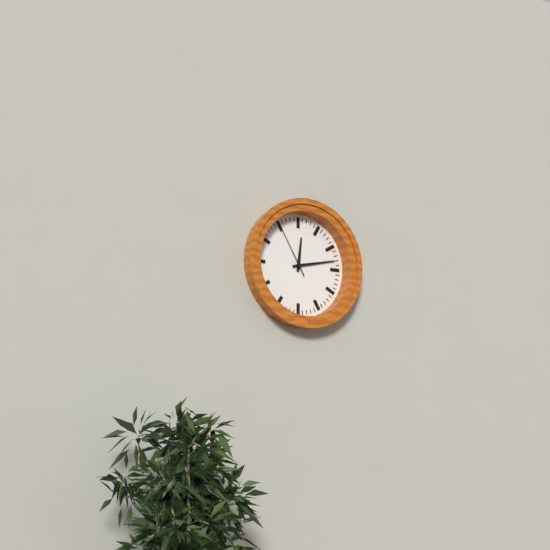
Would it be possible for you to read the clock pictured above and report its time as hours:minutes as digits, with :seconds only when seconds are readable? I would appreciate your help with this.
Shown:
12:13:55
